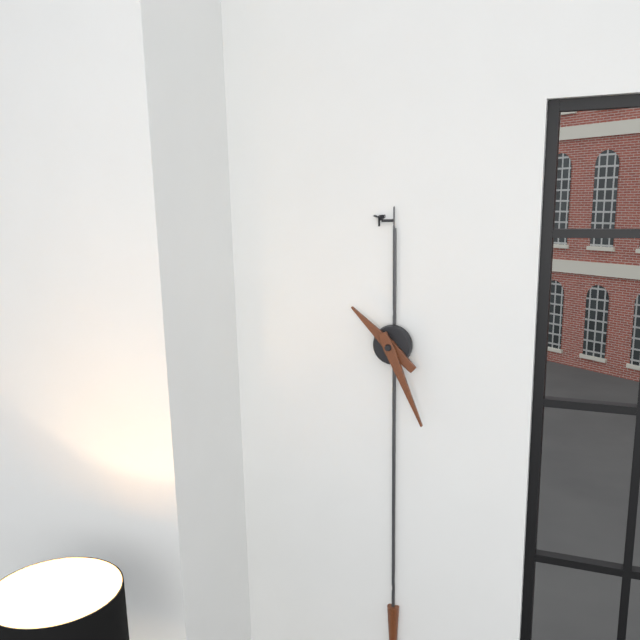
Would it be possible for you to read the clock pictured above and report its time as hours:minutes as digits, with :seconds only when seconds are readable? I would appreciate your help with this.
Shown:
10:26
